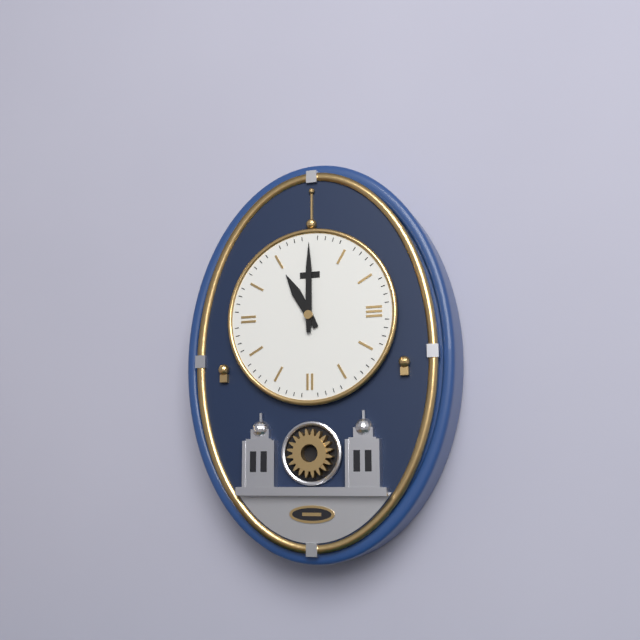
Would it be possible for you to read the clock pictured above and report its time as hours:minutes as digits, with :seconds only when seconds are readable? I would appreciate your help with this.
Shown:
11:00
